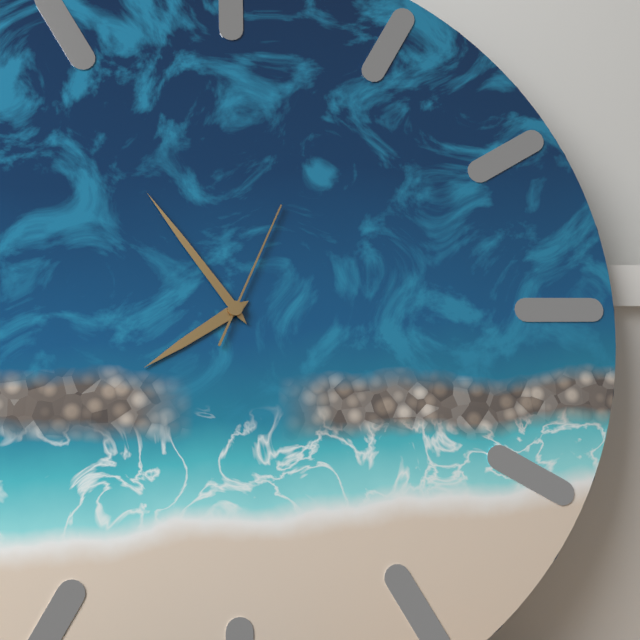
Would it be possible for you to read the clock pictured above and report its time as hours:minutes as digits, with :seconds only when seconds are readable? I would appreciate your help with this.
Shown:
7:54:04
